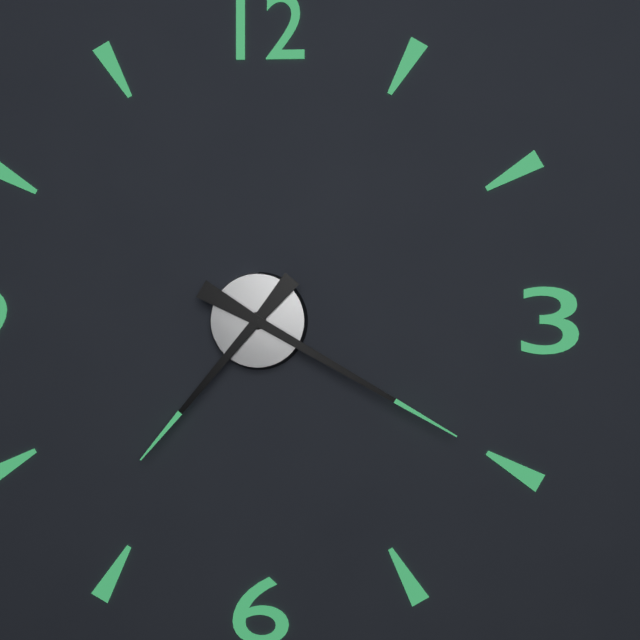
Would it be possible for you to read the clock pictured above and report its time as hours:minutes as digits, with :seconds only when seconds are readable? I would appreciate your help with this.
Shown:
7:20
